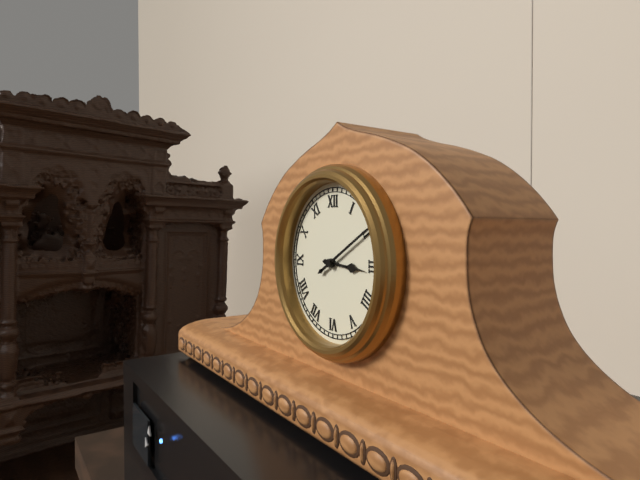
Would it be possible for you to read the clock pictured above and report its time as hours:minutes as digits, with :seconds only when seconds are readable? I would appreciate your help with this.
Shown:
3:10
